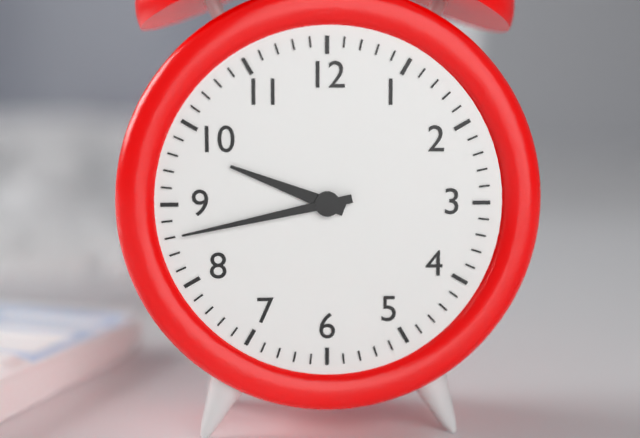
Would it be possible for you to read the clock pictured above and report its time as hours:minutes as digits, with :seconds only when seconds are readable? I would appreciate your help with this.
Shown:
9:43
